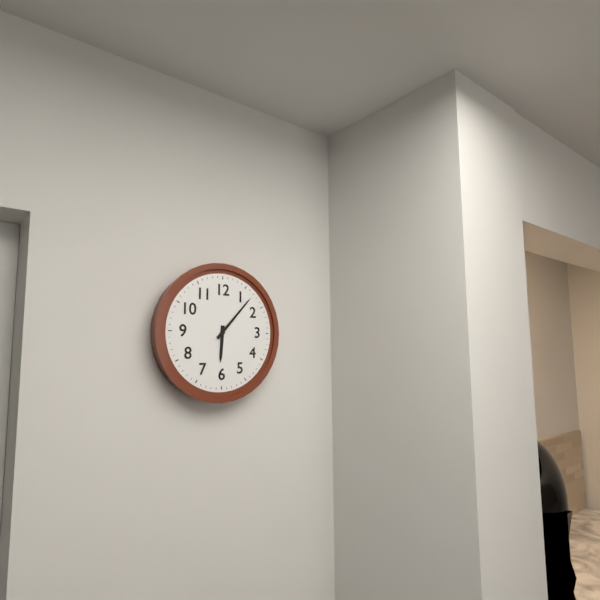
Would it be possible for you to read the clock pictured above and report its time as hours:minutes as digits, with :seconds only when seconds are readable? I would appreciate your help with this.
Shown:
6:07
